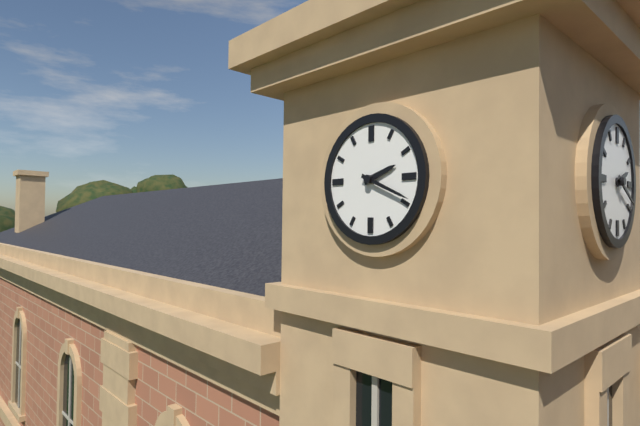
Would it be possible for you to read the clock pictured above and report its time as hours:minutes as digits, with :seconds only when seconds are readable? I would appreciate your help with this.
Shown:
2:19
